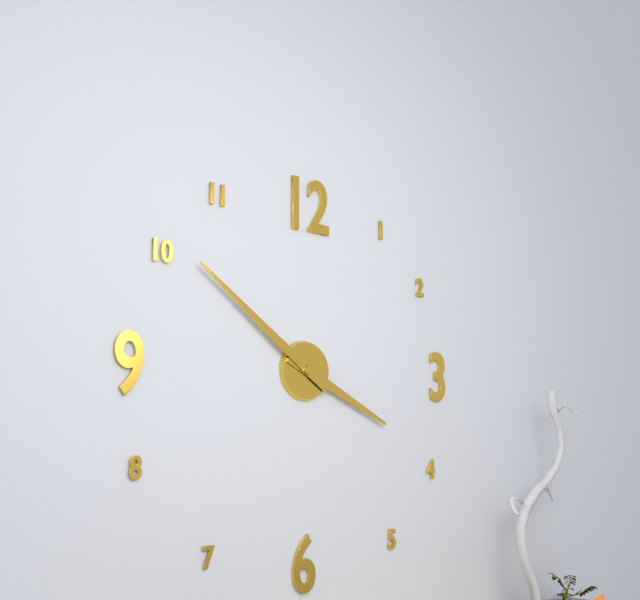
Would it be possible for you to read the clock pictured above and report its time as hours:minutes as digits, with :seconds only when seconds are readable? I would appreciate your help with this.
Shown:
3:51
